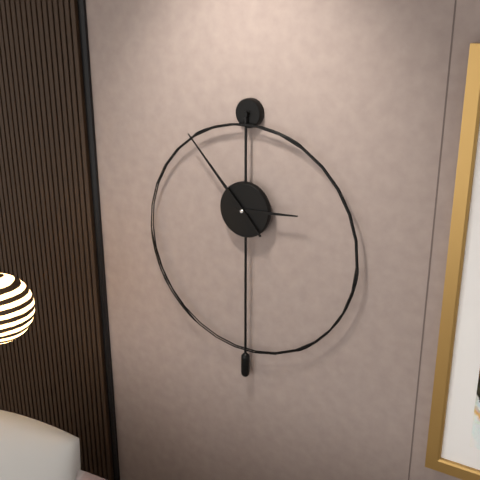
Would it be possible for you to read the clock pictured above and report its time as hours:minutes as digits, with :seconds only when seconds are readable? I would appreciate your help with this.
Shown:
2:53
